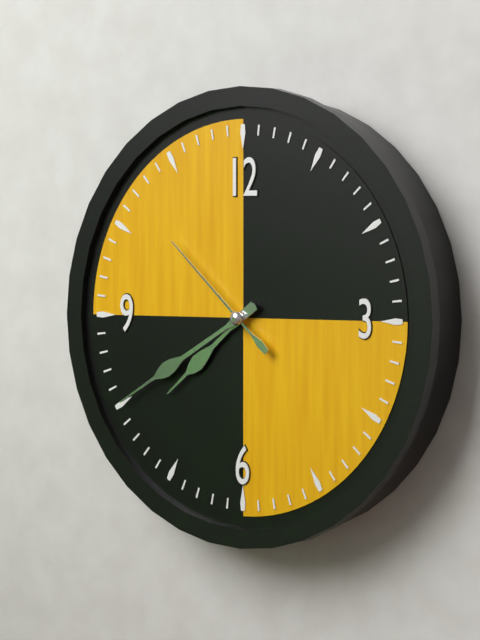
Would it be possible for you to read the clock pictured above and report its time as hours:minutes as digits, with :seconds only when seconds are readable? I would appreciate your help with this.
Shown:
7:40:52
